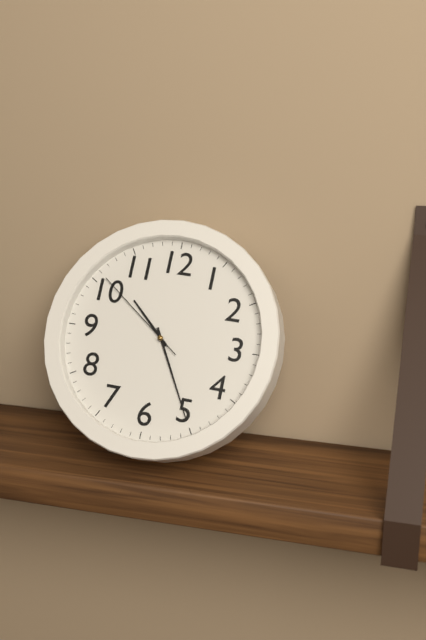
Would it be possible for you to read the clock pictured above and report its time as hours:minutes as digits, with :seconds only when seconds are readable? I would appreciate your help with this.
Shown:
10:25:51
